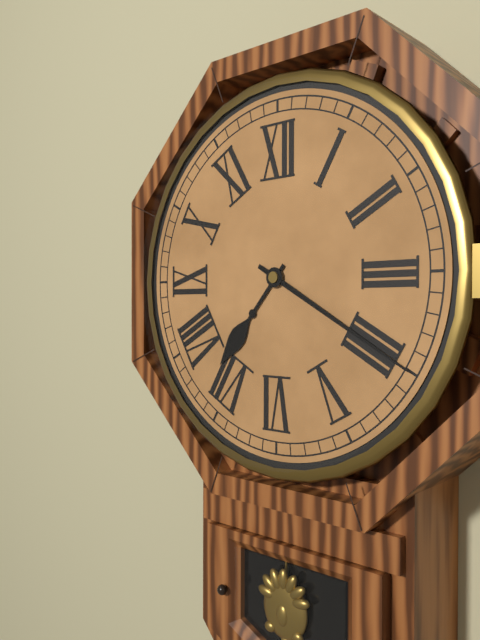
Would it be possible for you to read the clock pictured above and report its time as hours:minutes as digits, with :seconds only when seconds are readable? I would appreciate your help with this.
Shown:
7:20
